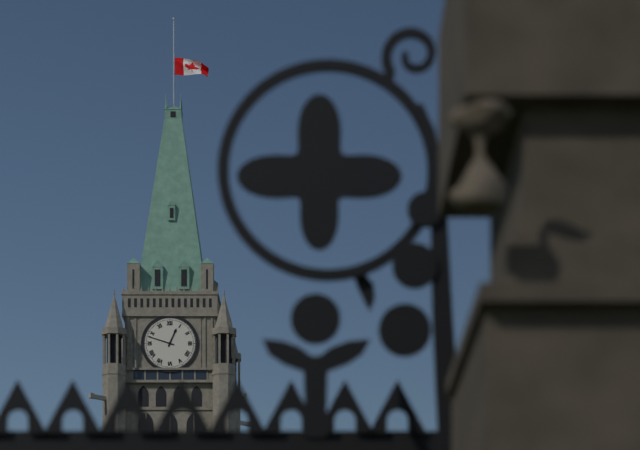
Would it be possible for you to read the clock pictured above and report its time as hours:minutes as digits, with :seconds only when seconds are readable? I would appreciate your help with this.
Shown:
12:48
